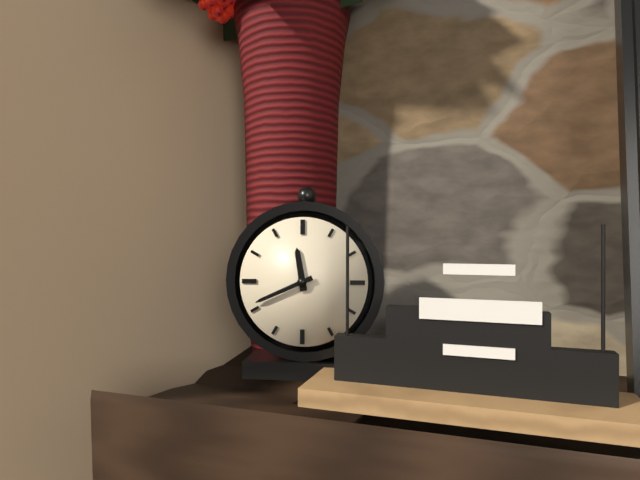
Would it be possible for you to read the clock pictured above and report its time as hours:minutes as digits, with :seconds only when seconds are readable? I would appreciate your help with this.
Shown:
11:41
